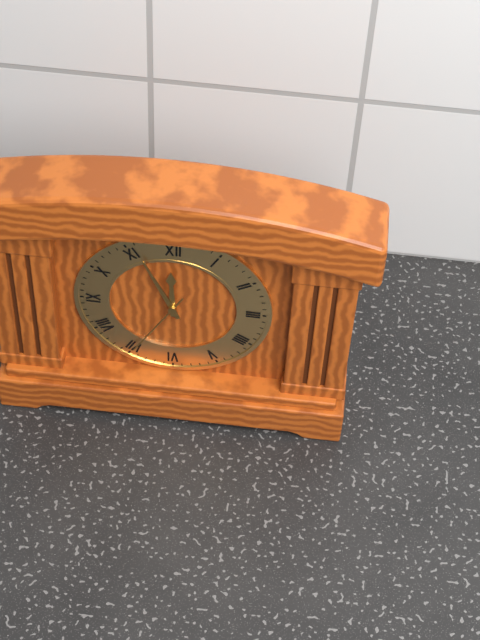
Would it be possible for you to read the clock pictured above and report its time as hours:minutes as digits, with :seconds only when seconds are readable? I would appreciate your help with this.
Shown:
11:56:35
